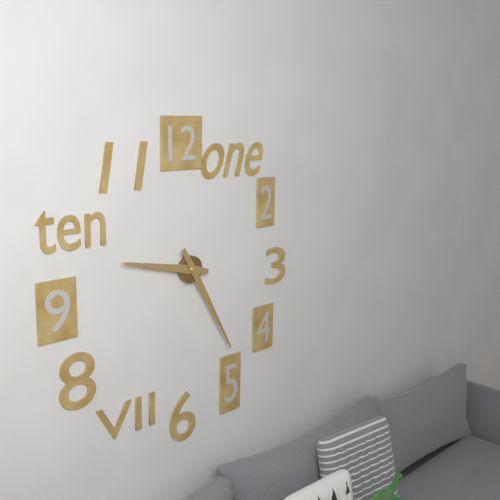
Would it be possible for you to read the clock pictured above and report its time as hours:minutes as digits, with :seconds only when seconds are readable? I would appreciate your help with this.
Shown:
9:25
